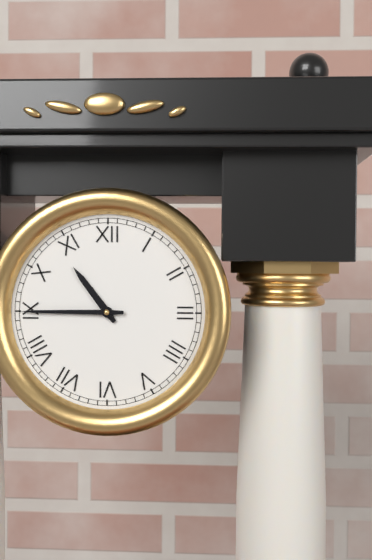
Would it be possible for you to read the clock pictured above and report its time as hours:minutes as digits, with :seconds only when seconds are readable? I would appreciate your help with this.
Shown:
10:45
